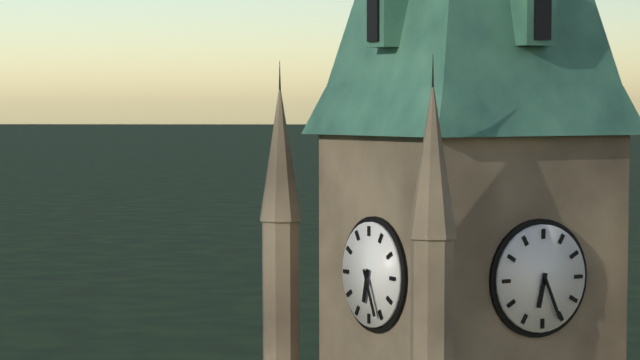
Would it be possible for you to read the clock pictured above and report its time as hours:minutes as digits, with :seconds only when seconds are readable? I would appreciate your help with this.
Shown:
6:26
